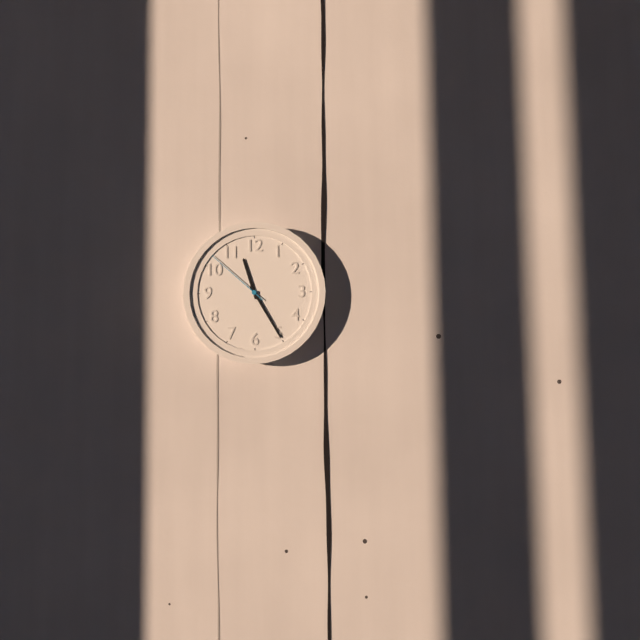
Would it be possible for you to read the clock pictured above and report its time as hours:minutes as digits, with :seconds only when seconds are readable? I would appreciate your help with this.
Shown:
11:25:52
